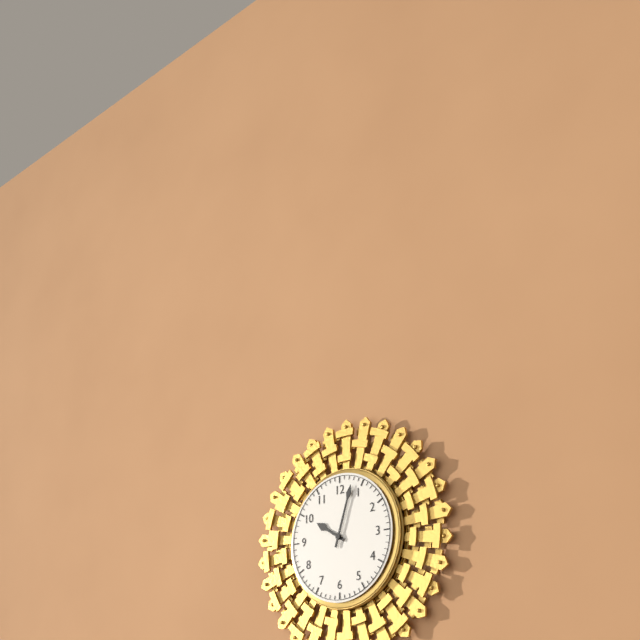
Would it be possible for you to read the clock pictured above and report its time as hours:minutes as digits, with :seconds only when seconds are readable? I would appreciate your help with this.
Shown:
10:03
